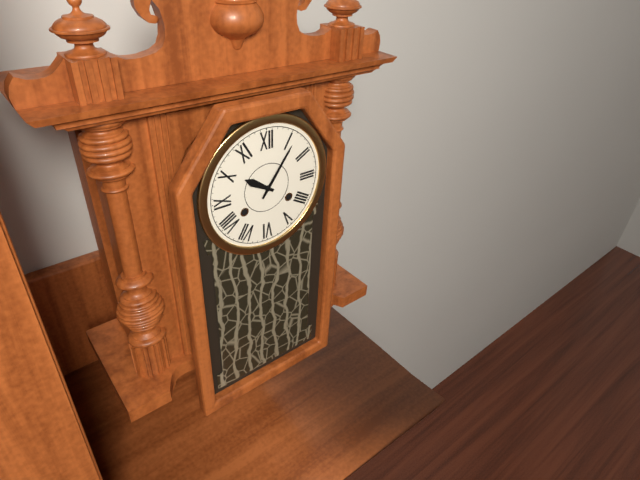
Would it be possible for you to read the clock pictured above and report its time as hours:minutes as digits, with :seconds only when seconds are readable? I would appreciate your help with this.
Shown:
10:06
